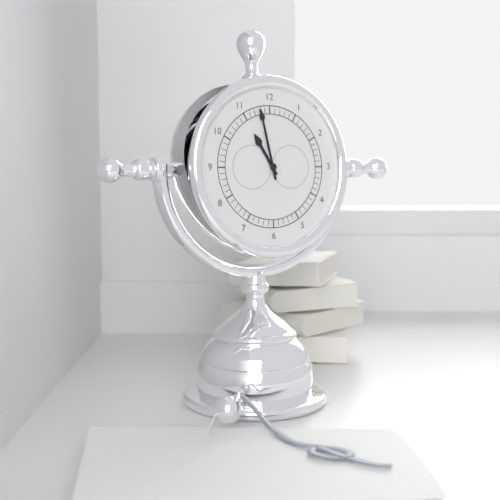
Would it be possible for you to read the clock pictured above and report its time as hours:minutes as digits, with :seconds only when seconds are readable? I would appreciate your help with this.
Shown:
10:58
